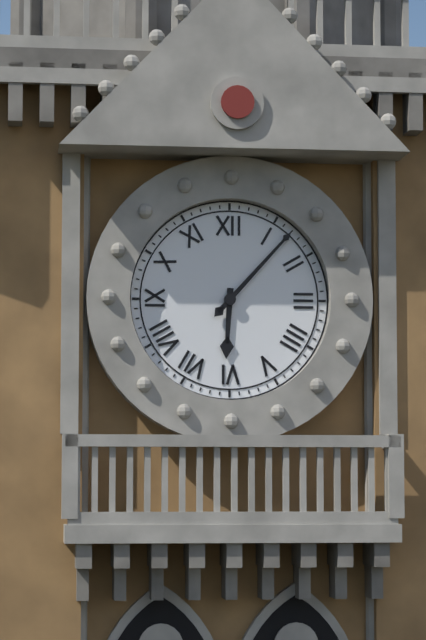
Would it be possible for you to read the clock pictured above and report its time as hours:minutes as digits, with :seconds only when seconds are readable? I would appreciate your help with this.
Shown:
6:07
